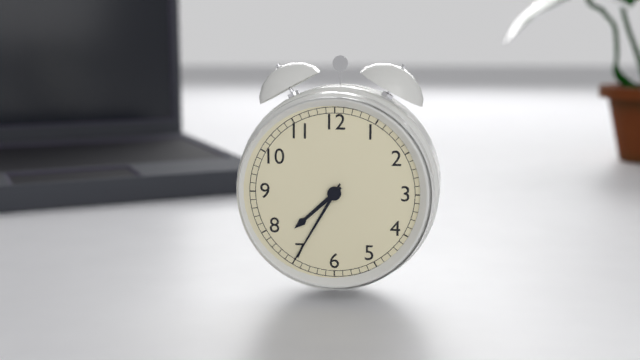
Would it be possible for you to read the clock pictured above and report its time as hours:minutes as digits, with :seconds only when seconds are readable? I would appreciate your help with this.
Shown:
7:35
